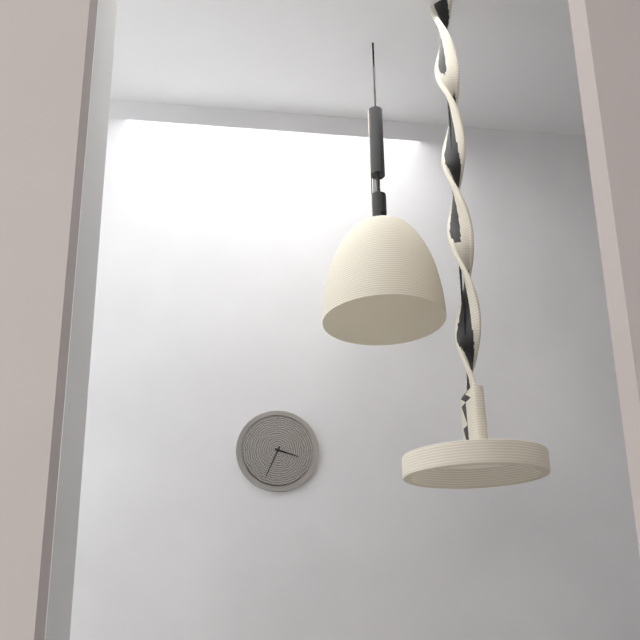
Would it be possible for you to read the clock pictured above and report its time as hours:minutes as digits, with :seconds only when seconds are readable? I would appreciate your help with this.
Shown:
3:34
